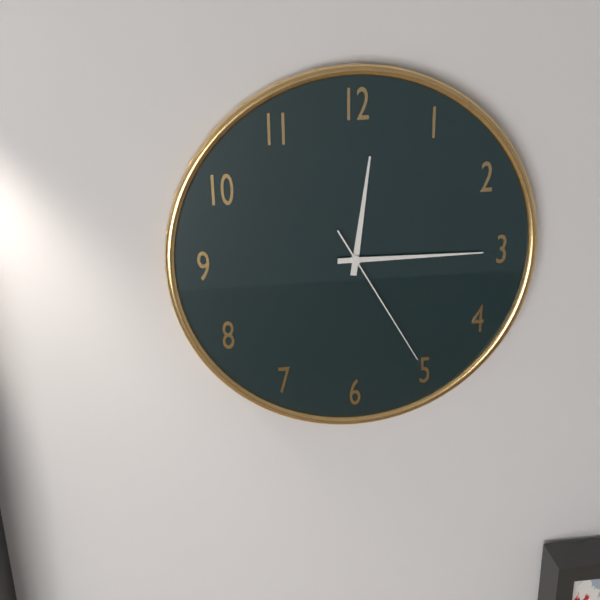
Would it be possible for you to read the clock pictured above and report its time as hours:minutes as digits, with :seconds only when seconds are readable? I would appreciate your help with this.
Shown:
12:15:25
